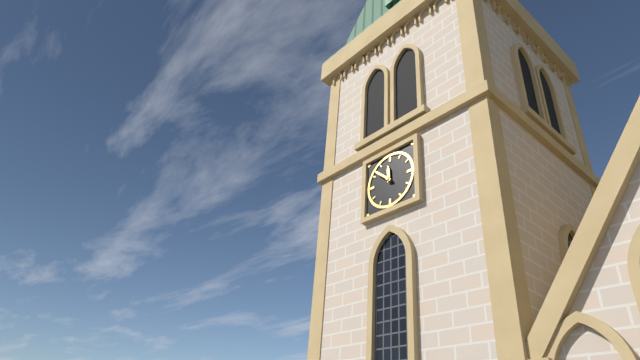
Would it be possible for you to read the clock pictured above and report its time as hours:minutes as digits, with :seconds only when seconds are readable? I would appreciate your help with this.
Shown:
11:52
